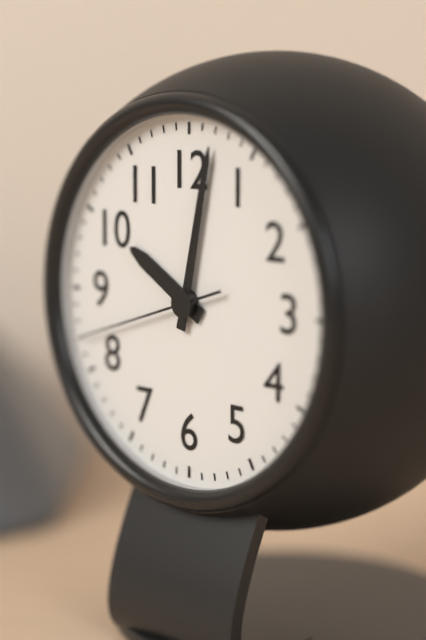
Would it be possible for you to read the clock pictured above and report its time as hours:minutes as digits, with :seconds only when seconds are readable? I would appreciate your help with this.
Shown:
10:02:42
